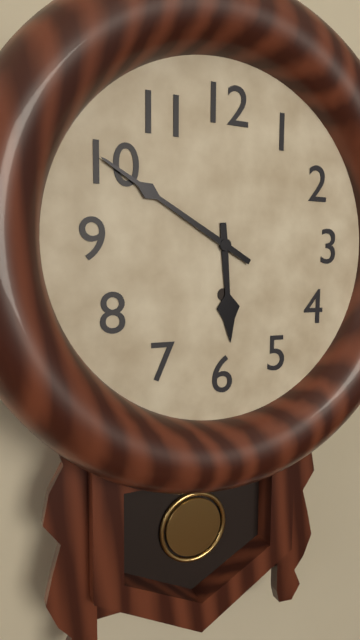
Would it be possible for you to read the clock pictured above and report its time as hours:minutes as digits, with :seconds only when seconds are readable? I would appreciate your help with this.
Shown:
5:50
